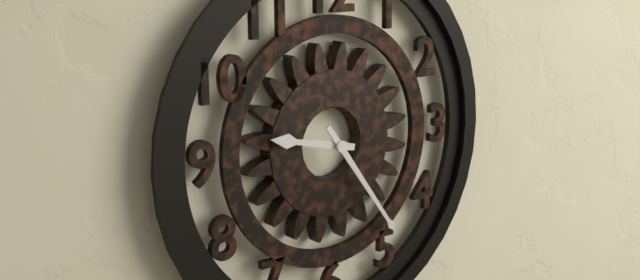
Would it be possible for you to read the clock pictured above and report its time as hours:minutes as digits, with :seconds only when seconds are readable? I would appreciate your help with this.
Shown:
9:24
